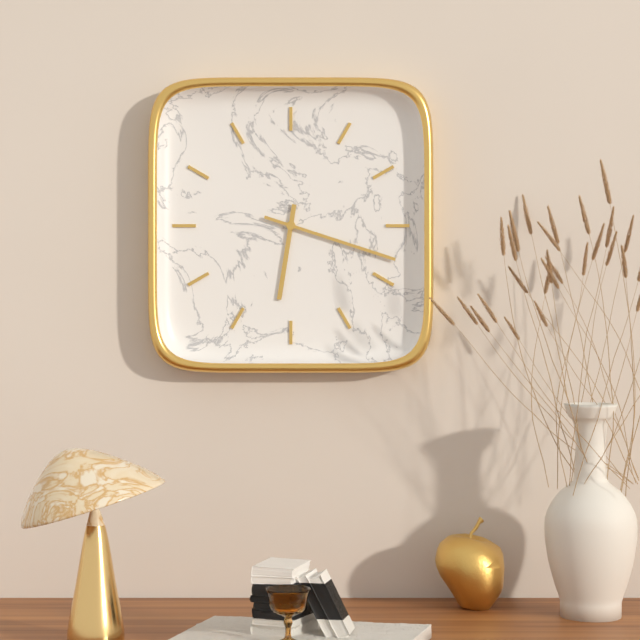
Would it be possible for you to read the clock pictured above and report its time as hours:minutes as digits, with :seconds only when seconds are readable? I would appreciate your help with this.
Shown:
6:18
